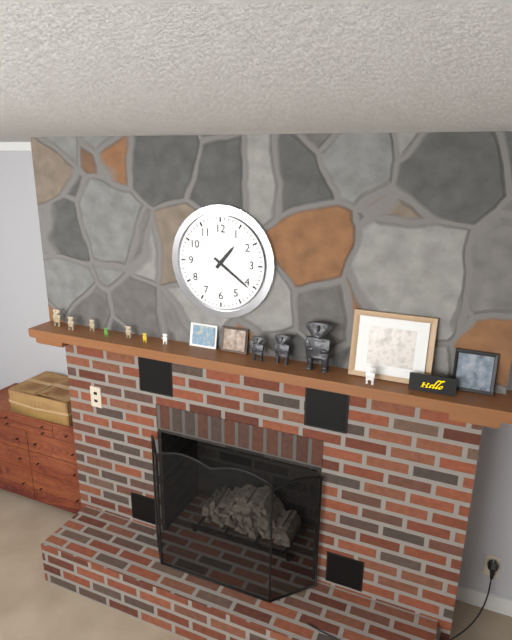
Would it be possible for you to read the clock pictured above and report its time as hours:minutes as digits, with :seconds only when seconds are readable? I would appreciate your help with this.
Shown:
1:21
